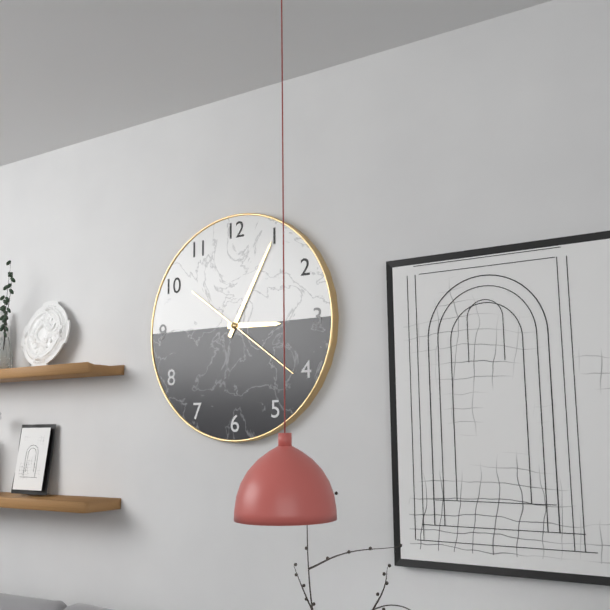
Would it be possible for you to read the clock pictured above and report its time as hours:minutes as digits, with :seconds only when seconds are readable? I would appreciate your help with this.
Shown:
3:05:21
